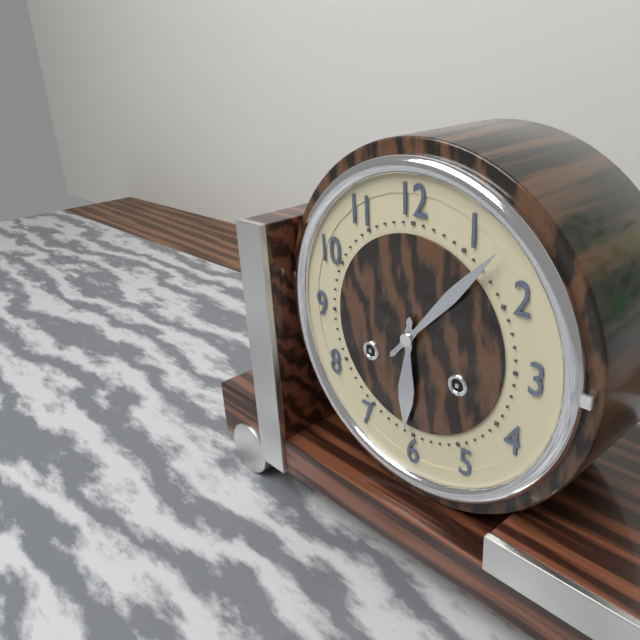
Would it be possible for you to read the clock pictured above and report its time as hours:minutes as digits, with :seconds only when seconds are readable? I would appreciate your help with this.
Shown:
6:07
